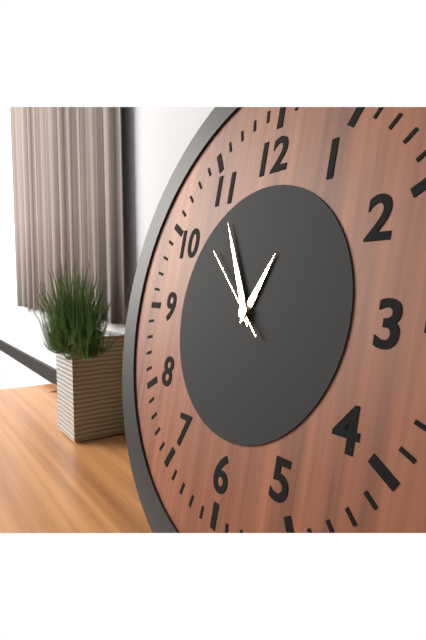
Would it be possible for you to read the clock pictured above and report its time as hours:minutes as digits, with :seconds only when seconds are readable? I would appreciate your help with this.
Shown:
12:55:52
